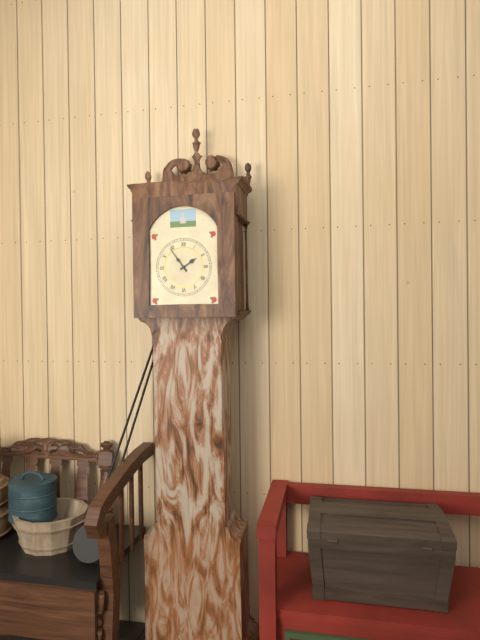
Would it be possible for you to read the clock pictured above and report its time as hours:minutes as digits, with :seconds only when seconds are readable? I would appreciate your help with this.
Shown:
1:54
